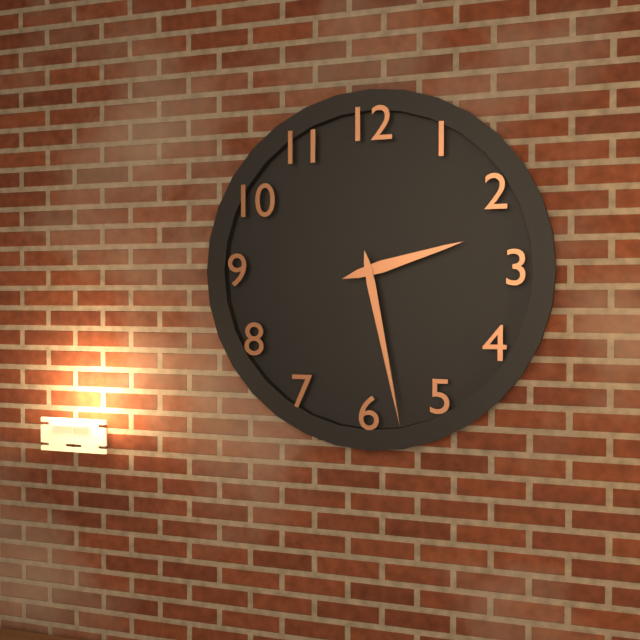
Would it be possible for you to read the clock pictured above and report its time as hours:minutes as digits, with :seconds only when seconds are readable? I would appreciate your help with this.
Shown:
2:28
